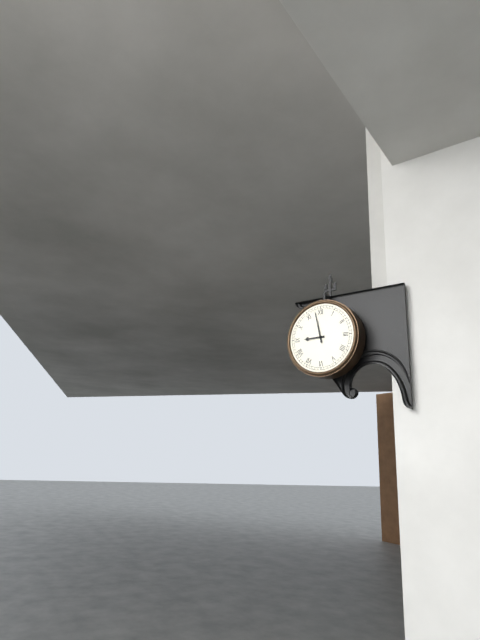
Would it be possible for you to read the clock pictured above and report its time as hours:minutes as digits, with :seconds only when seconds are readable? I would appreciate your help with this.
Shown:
8:58
